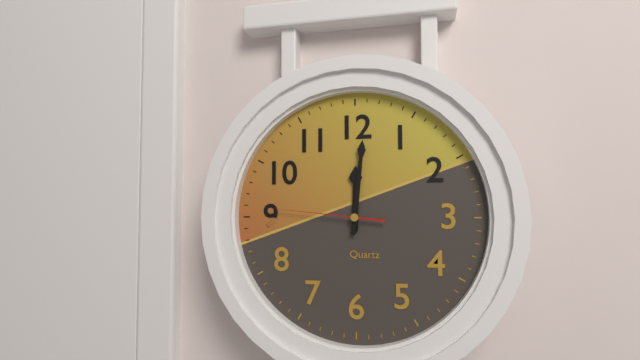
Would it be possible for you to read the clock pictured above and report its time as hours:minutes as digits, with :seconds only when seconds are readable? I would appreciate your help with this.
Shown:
12:01:46
